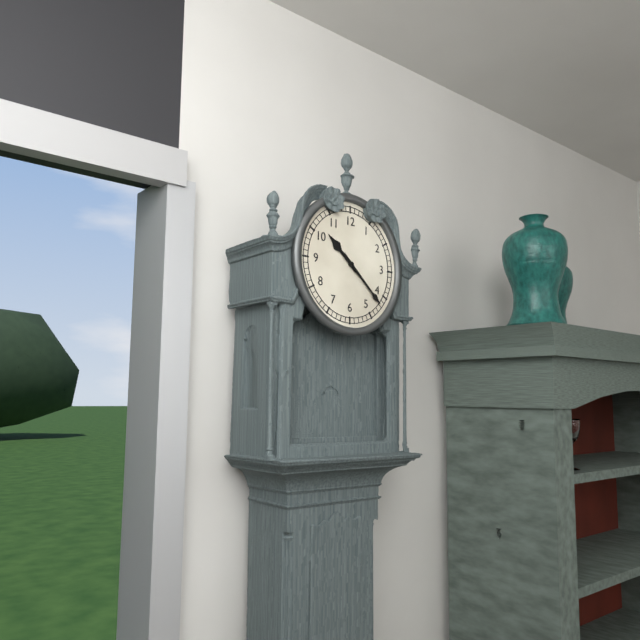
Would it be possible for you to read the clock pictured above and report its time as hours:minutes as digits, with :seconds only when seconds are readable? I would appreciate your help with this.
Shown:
10:22
